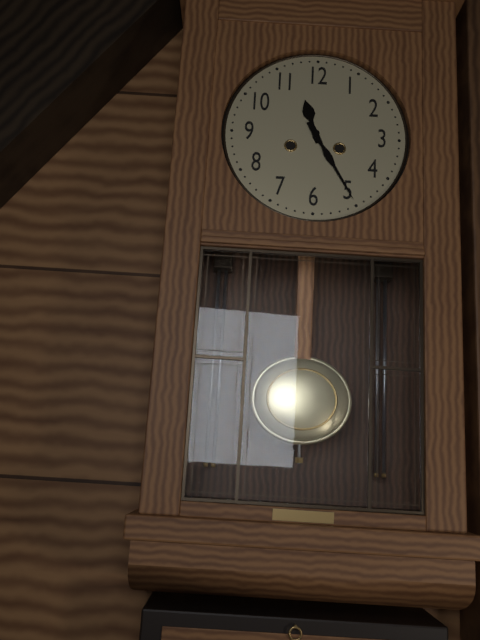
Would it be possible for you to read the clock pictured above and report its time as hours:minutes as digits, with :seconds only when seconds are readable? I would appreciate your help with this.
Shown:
11:25
